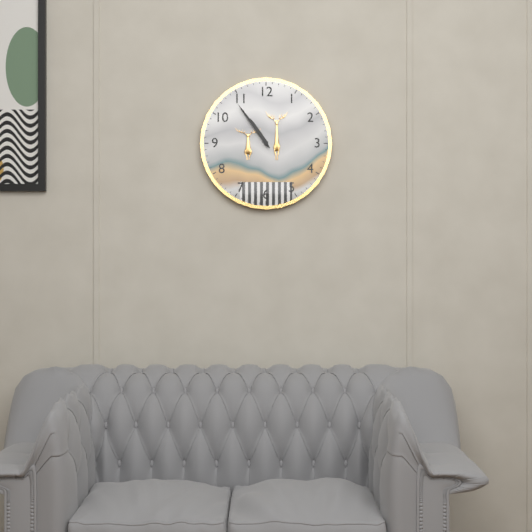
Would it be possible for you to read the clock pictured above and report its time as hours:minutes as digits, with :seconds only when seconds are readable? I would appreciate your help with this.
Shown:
10:54
